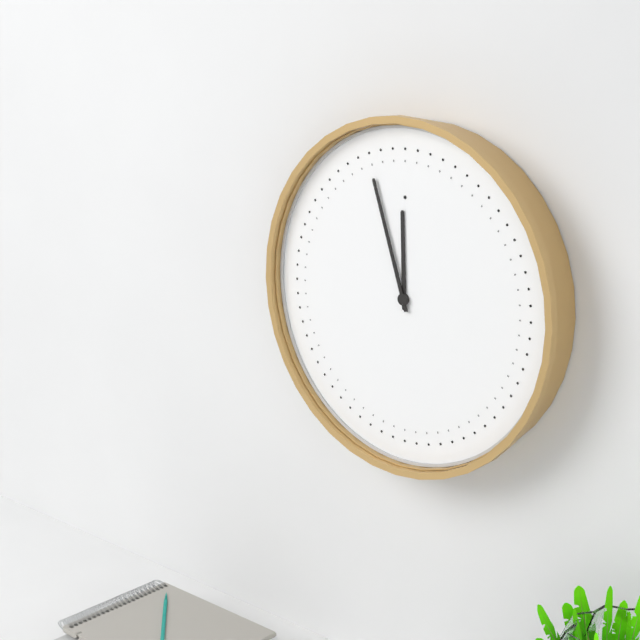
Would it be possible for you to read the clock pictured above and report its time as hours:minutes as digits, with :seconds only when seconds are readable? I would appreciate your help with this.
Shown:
11:57
